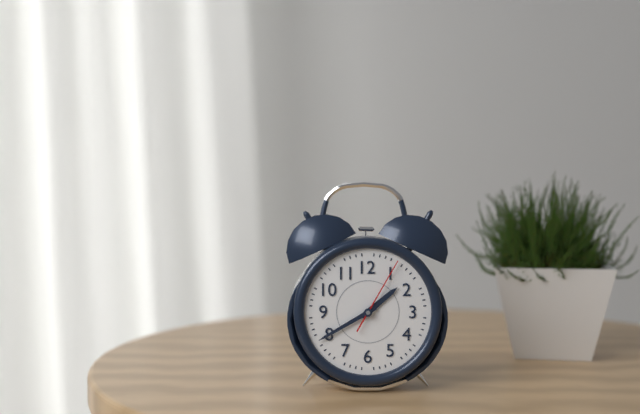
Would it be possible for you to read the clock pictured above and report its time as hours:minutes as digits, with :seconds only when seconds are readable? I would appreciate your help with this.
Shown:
1:40:05
